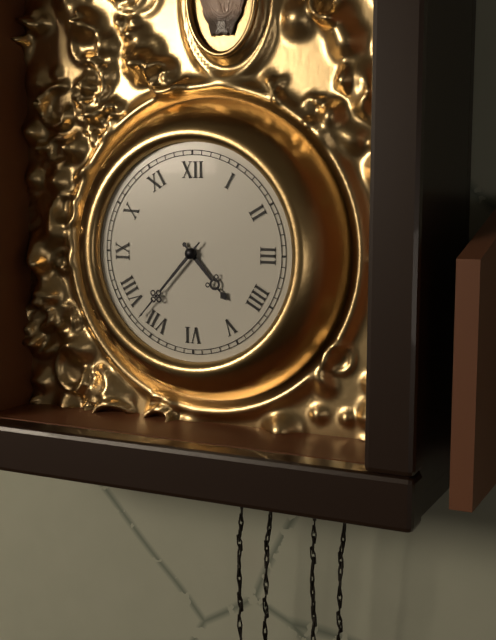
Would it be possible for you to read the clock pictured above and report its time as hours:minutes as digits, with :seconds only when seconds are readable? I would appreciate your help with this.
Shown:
4:37
